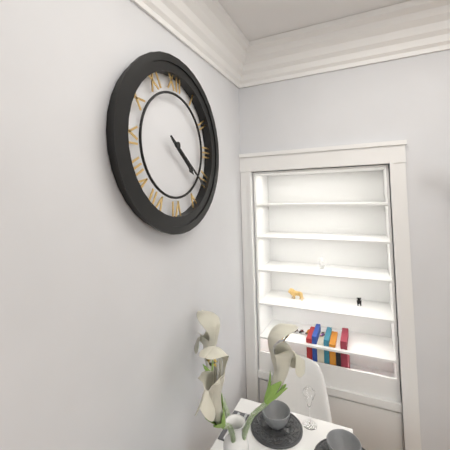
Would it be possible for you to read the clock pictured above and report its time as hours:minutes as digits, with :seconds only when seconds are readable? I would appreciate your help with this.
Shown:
4:21
